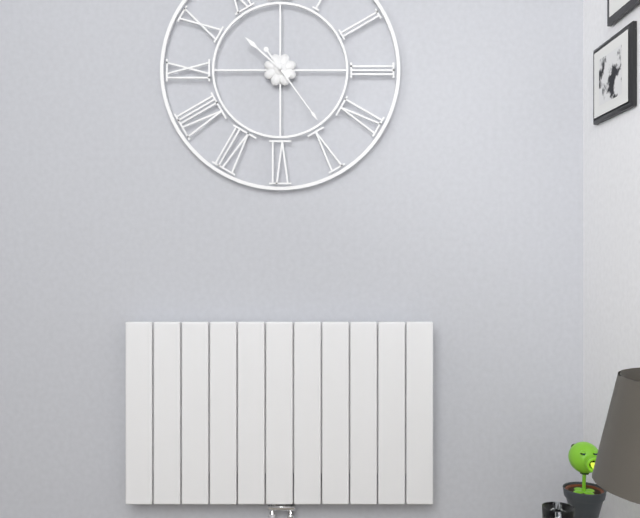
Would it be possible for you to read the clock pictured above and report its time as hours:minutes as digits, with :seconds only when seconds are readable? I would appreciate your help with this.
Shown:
10:24
